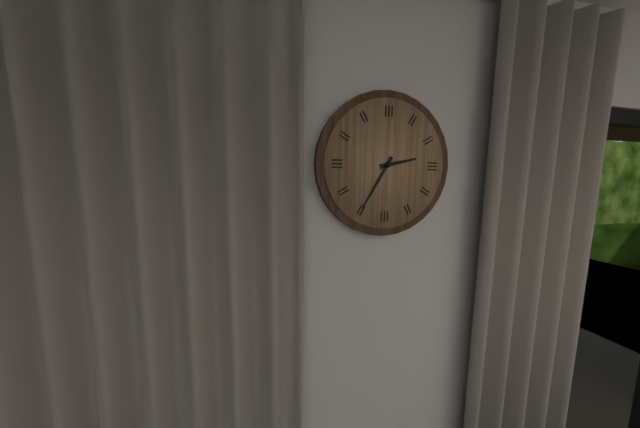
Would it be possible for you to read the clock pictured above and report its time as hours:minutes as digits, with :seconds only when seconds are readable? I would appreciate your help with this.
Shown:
2:35
